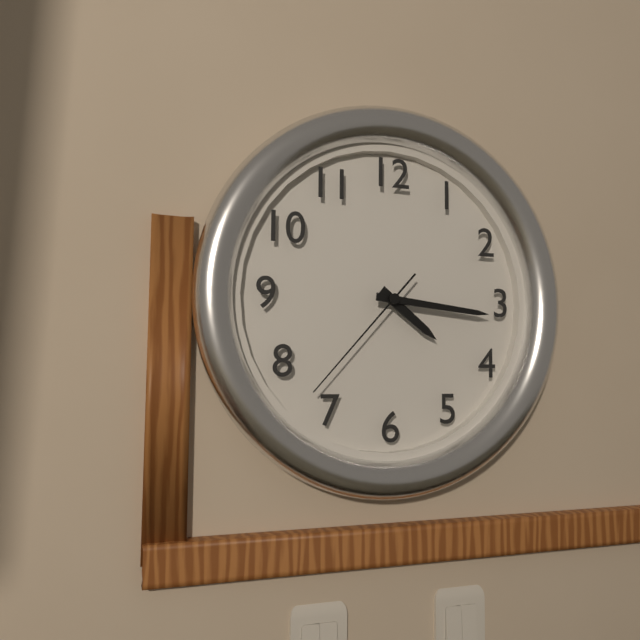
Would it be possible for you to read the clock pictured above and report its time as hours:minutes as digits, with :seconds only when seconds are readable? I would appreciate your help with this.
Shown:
4:16:37
